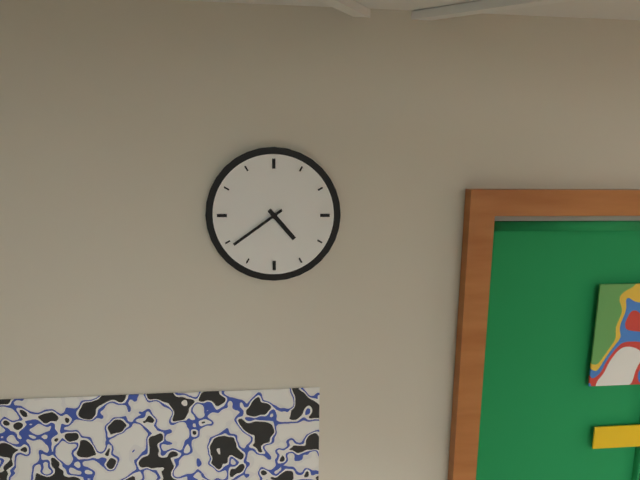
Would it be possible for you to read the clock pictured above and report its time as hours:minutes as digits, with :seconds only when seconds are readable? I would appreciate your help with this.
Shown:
4:39
